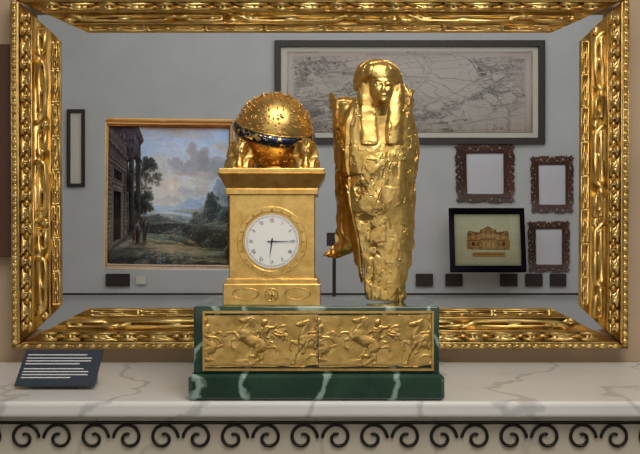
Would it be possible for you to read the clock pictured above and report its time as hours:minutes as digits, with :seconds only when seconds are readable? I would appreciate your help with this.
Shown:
6:15
